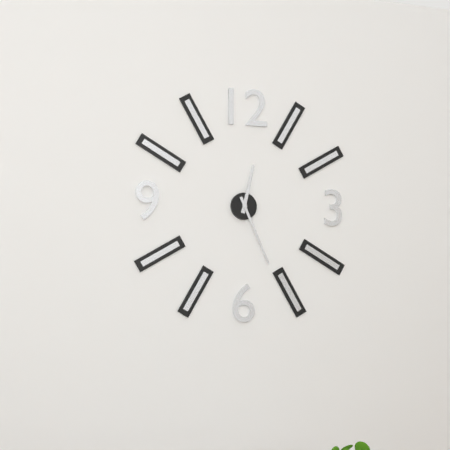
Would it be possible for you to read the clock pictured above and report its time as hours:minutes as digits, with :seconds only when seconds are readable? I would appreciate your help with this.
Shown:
12:26
